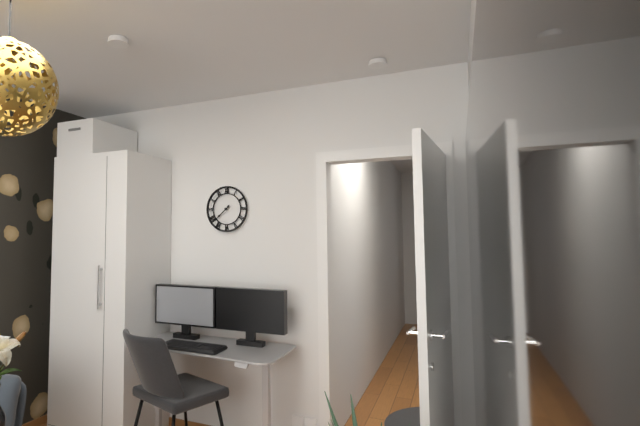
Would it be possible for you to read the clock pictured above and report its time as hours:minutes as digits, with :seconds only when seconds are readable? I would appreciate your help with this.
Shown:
7:38
